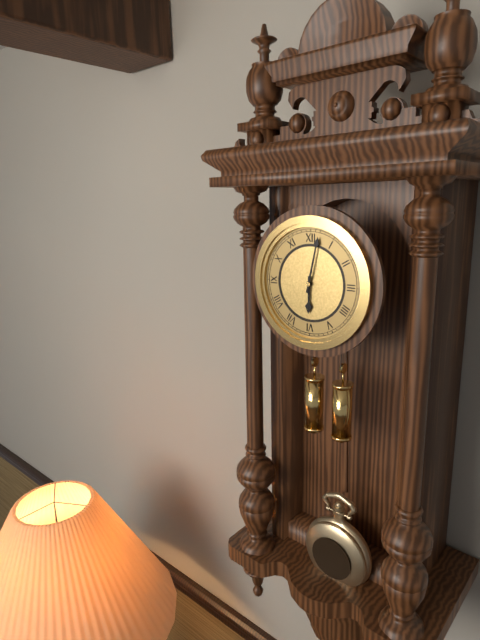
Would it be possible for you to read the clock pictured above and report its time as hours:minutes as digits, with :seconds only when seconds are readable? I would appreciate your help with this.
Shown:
6:02
